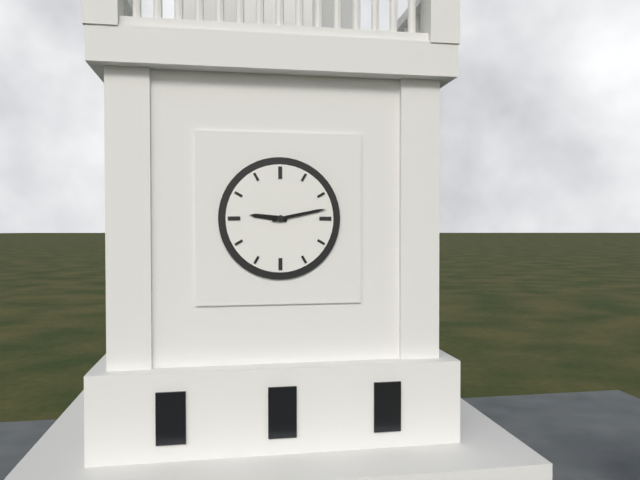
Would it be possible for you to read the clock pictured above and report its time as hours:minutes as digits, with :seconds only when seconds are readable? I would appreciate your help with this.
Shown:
9:13
